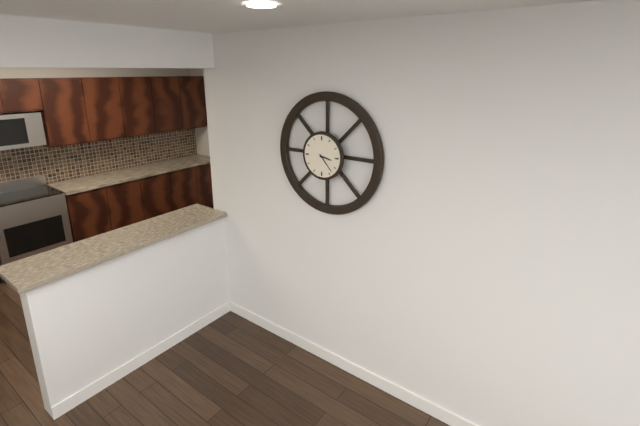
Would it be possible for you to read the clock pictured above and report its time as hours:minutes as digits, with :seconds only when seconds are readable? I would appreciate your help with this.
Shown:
3:23
